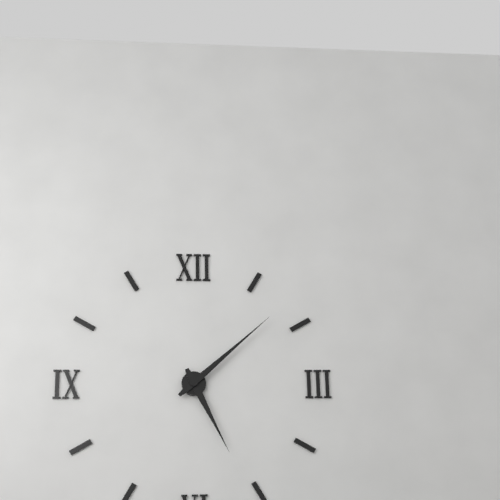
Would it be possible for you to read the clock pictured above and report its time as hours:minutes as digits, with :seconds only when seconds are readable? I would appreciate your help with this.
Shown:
5:08
